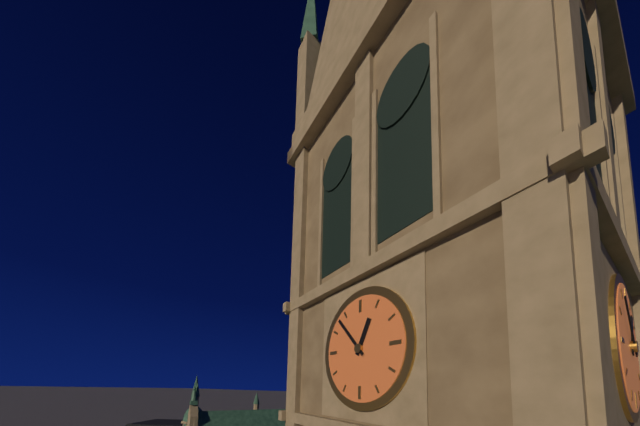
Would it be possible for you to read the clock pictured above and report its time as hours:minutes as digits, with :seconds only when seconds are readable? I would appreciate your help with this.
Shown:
12:53
